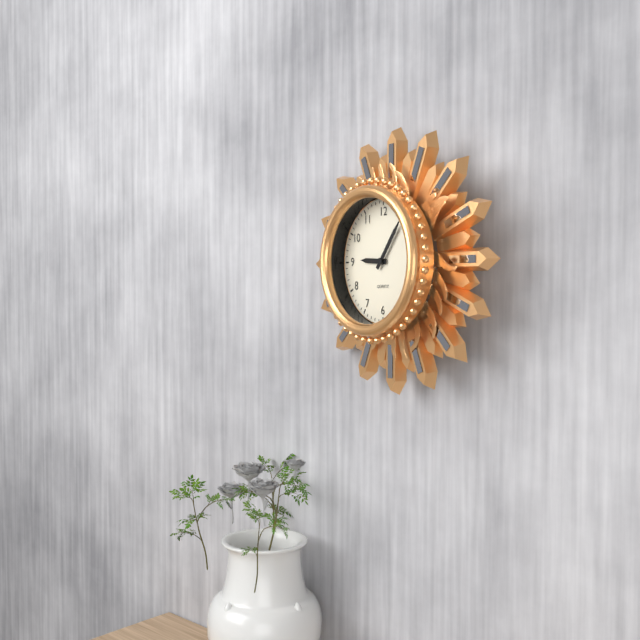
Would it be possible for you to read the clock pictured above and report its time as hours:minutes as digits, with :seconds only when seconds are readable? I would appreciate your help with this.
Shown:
9:06
